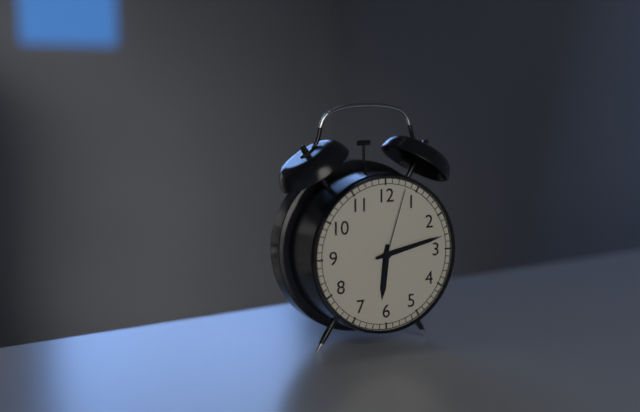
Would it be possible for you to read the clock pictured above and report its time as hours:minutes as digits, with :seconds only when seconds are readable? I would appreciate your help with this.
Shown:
6:13:03
